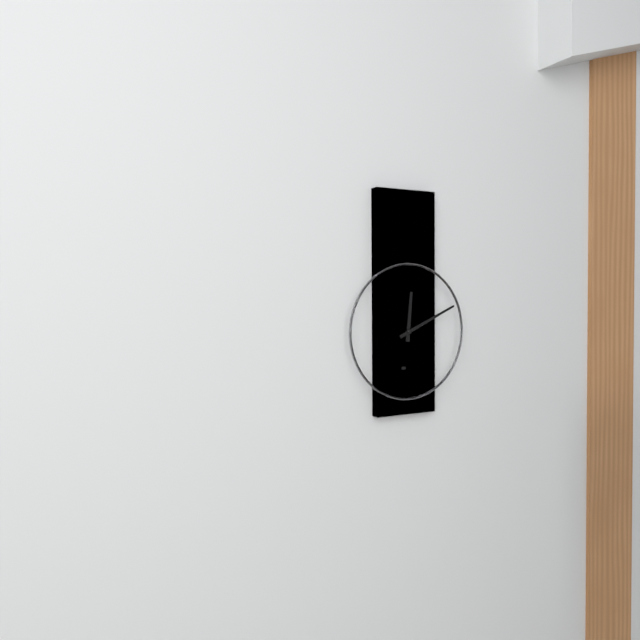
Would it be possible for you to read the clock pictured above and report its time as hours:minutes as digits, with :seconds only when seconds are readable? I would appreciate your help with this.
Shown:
12:11
